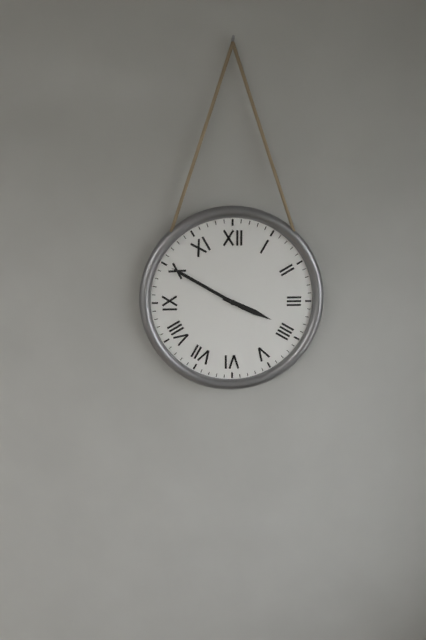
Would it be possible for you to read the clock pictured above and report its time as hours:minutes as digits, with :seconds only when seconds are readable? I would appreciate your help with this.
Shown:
3:50
